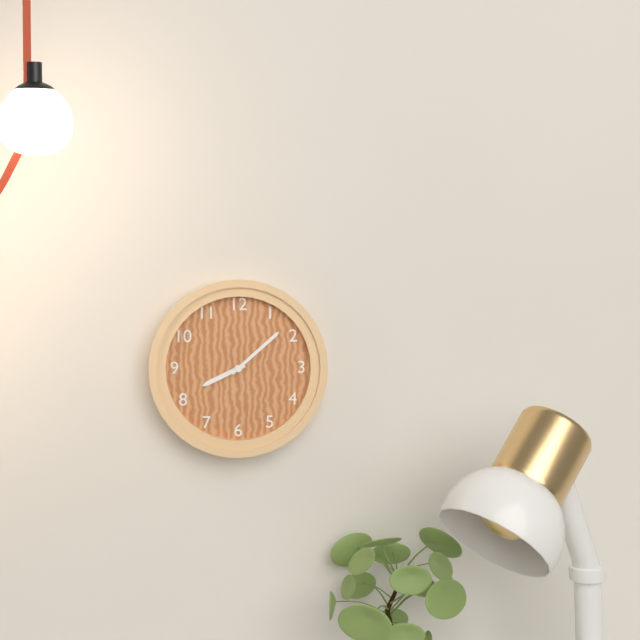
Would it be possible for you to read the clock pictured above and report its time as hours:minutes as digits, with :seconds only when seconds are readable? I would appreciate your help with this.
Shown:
8:08
